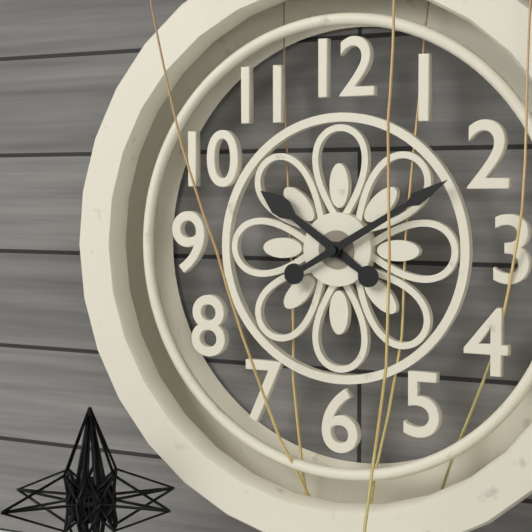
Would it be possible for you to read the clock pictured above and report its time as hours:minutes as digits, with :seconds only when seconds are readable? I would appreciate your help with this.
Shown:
10:10
